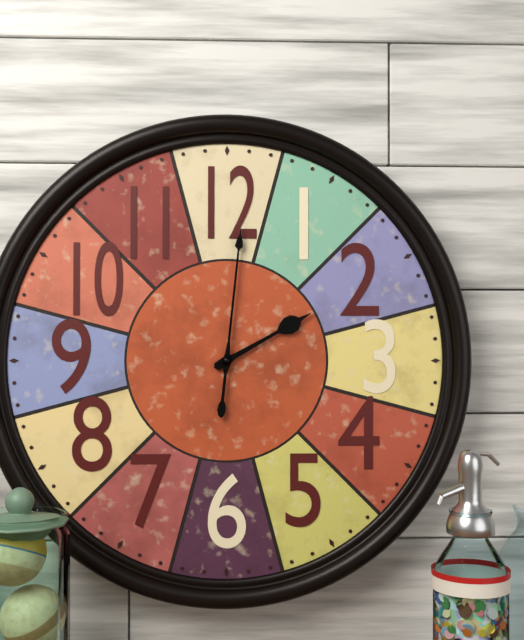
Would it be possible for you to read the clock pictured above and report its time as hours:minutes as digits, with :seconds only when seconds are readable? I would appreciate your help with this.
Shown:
2:01
